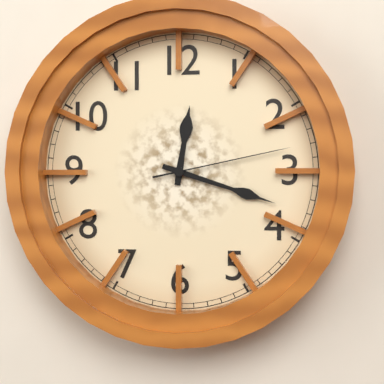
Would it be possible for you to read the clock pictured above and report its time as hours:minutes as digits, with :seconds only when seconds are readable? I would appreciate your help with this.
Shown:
12:18:13
